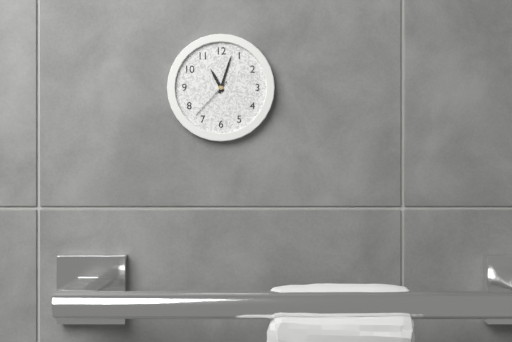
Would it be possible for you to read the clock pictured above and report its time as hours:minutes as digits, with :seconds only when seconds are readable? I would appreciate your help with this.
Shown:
11:03
